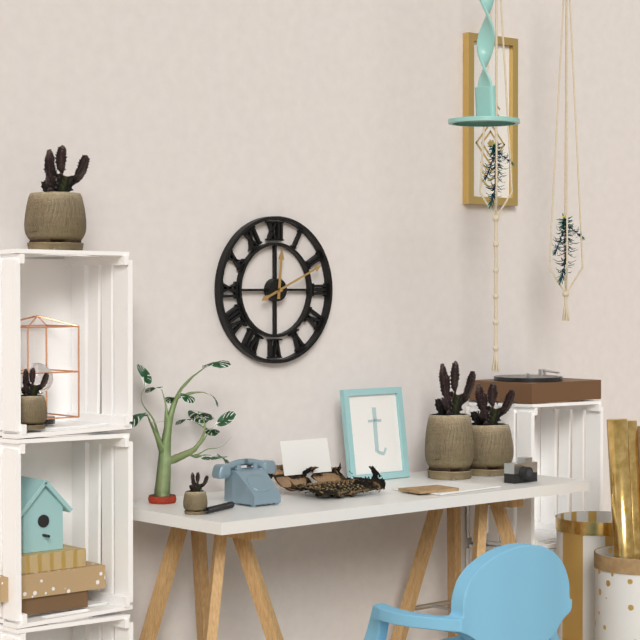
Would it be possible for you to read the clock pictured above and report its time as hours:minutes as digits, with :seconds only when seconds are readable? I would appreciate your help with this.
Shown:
12:11
